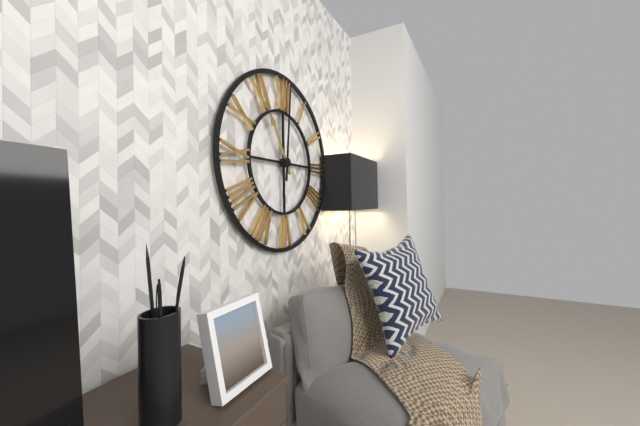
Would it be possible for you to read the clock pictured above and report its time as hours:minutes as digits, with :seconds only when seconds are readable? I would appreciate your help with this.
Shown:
11:01
